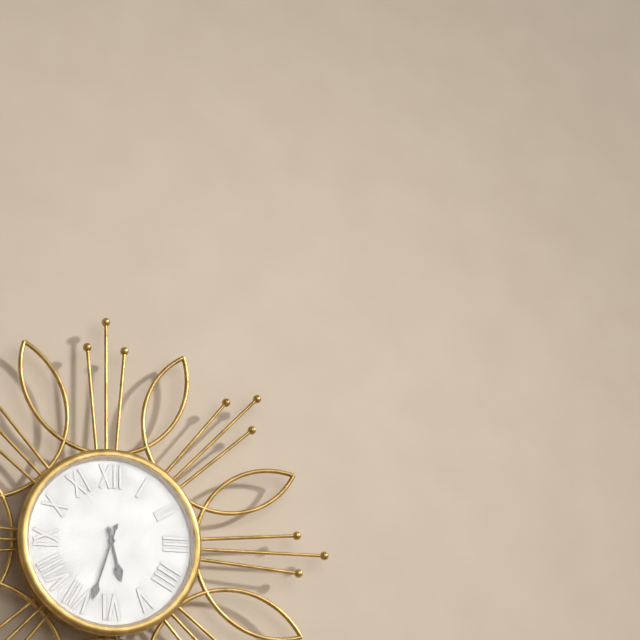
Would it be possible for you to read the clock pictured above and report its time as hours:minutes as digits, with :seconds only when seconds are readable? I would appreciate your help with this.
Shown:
5:33
